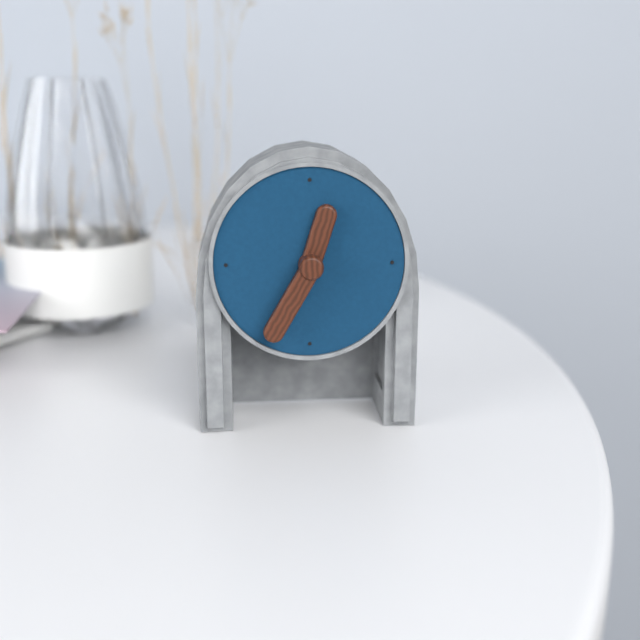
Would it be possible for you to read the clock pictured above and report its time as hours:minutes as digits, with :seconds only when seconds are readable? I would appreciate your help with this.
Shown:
12:35
